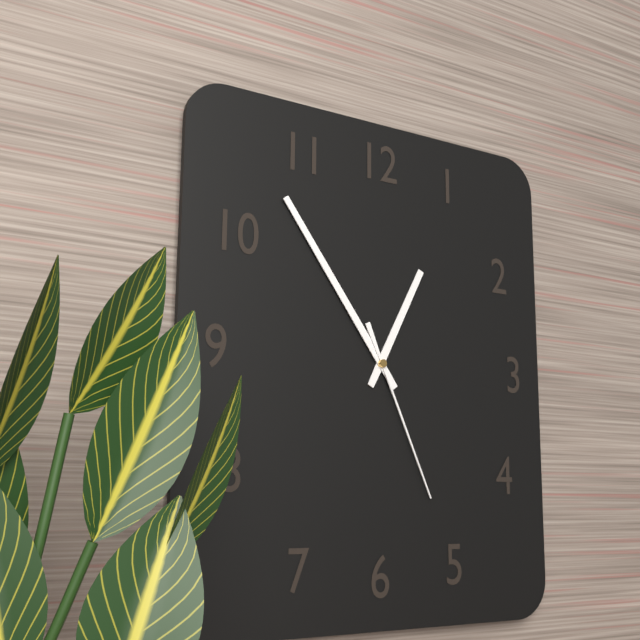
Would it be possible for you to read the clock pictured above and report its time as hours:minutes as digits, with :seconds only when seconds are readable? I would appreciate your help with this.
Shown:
12:54:26
